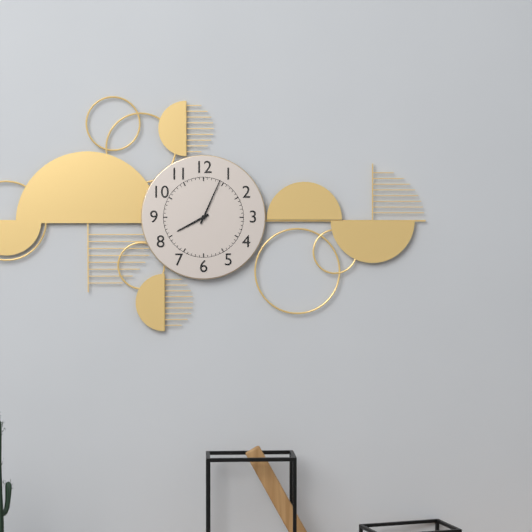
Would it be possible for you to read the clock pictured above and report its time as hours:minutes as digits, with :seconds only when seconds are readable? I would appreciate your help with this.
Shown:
8:04
